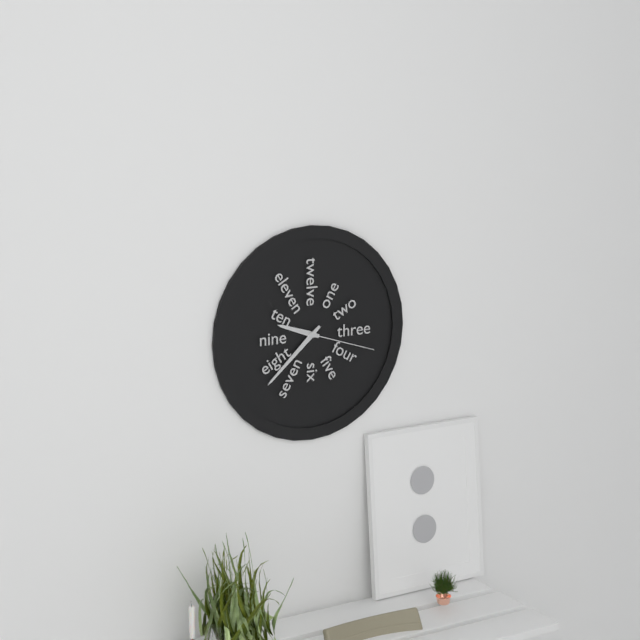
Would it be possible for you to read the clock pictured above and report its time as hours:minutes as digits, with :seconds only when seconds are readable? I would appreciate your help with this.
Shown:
9:38:18
